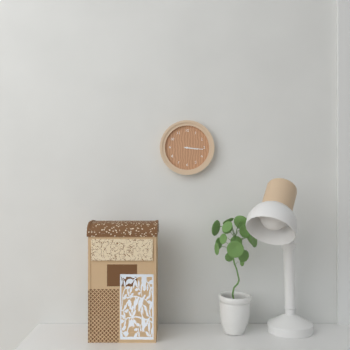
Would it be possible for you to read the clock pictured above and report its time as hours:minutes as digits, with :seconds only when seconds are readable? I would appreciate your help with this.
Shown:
3:16
